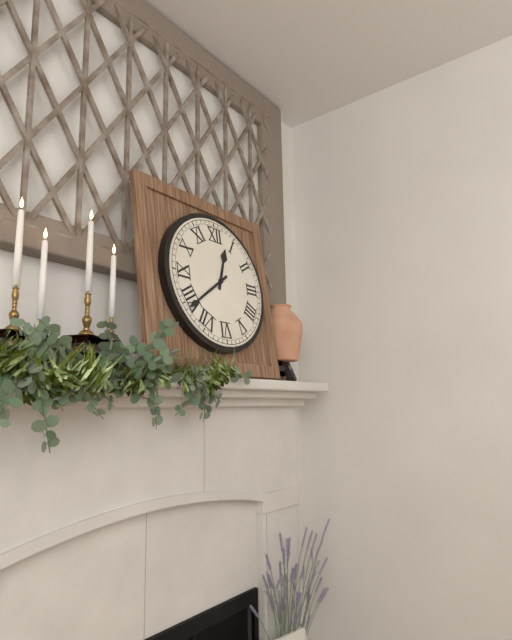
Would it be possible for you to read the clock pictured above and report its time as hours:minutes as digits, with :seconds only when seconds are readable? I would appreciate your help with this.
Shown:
12:39
